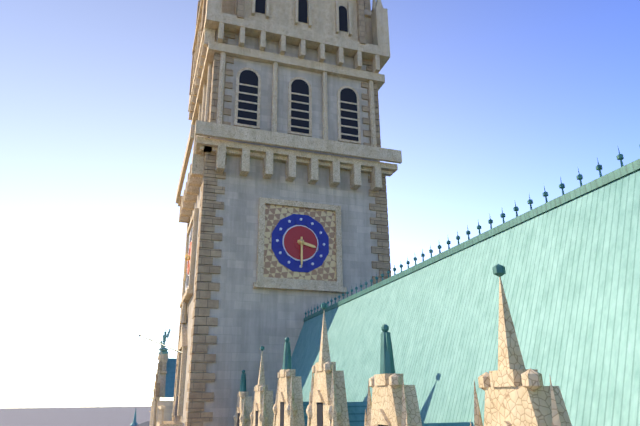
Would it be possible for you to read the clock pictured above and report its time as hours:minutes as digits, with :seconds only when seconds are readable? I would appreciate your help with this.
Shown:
3:30
